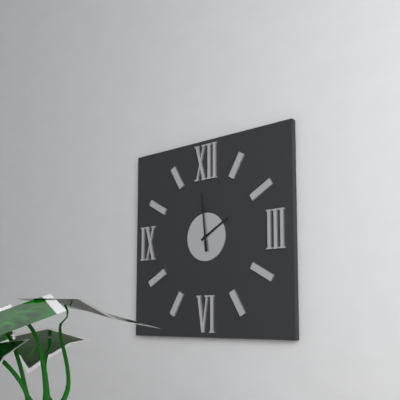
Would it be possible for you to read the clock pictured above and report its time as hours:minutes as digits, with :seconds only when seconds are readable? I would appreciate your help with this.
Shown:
1:59
